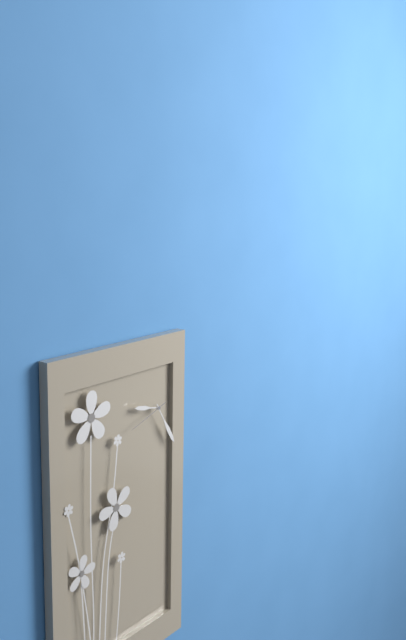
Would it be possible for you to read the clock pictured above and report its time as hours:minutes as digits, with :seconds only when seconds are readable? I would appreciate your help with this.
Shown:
9:25
